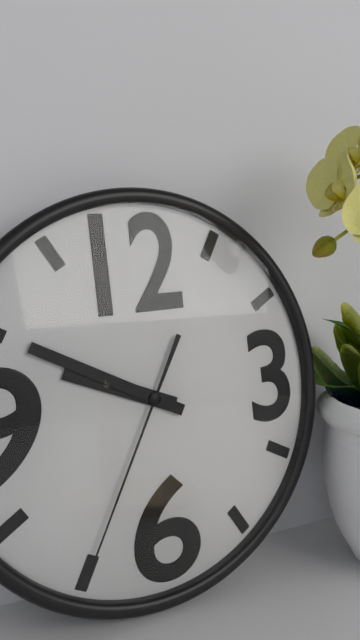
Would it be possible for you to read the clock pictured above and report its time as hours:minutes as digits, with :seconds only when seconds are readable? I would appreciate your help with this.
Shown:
9:50:35
